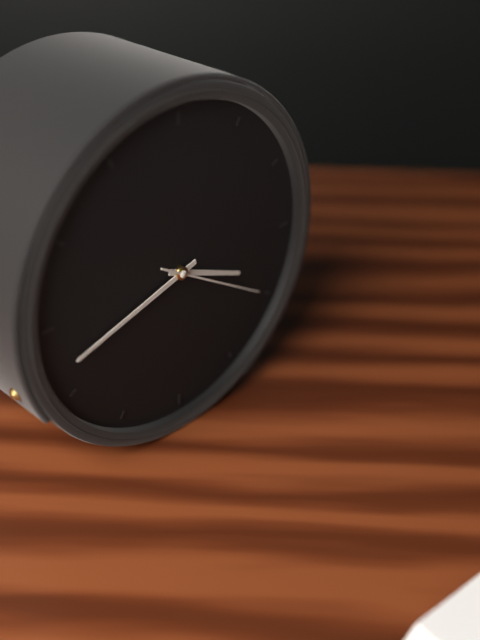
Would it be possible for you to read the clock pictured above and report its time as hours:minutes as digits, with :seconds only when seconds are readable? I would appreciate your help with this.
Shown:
3:42:20
